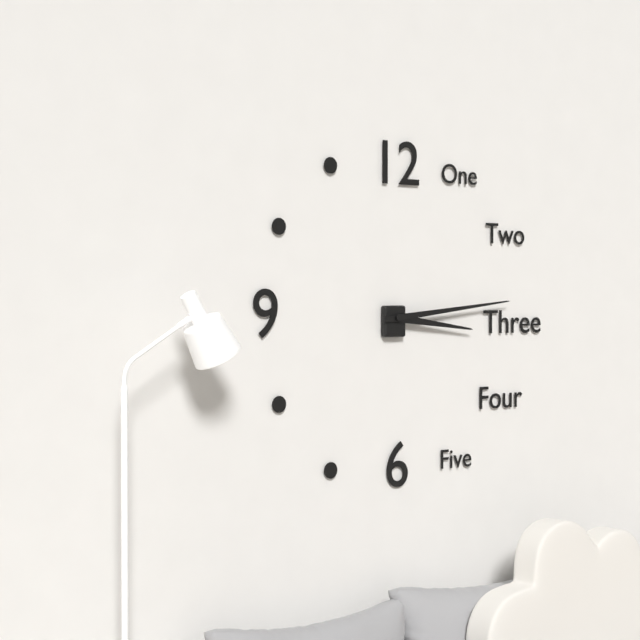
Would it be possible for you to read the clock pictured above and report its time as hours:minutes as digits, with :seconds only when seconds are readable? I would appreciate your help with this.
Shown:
3:14
